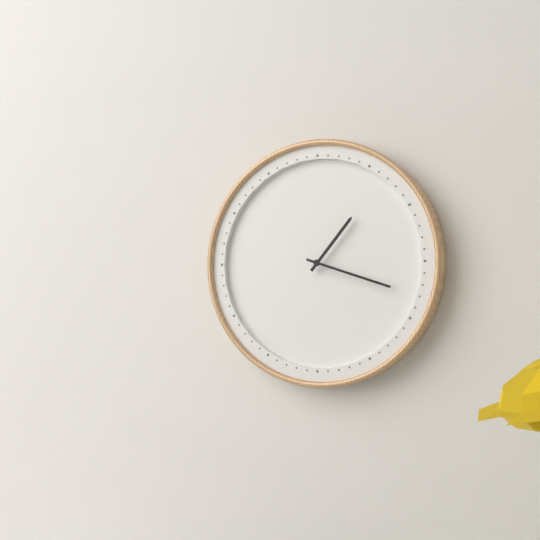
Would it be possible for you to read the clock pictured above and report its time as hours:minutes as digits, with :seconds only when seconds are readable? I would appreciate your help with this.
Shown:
1:18
